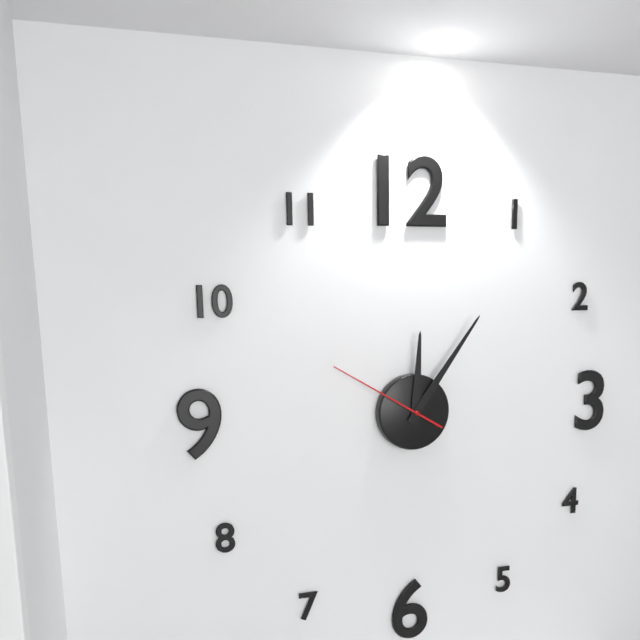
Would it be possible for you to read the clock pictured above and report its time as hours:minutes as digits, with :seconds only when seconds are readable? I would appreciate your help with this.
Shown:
12:06:50
